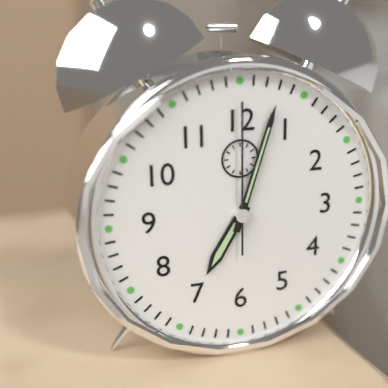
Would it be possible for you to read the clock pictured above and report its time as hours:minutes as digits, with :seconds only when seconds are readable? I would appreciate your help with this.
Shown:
7:03:00
